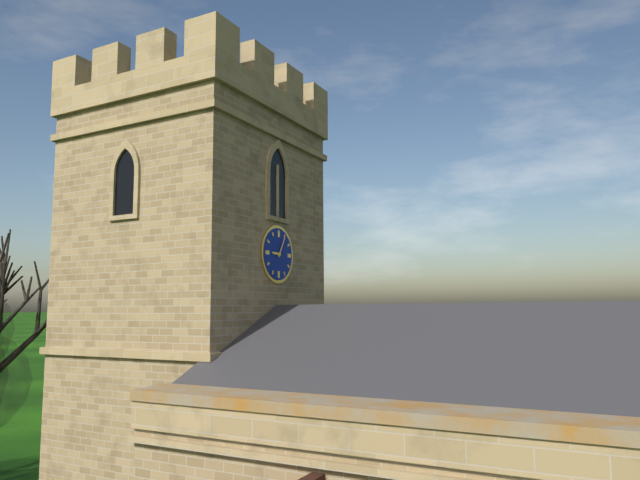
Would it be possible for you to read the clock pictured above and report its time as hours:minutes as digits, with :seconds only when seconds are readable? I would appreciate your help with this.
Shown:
9:05
